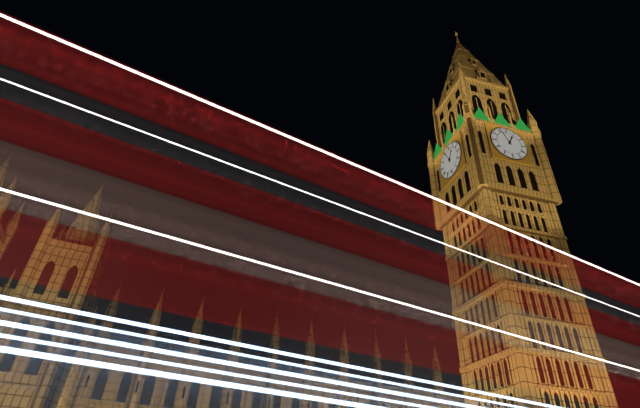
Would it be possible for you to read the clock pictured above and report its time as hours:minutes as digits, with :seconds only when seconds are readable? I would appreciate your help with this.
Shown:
12:56
